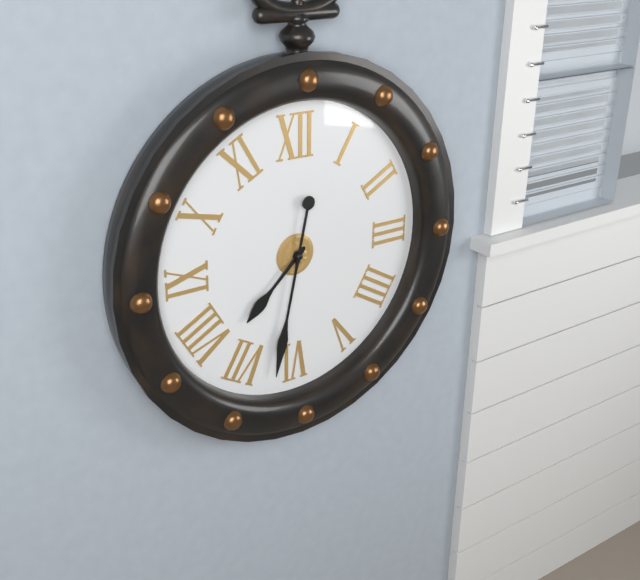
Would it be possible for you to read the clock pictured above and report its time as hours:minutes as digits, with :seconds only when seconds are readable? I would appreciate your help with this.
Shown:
7:32
